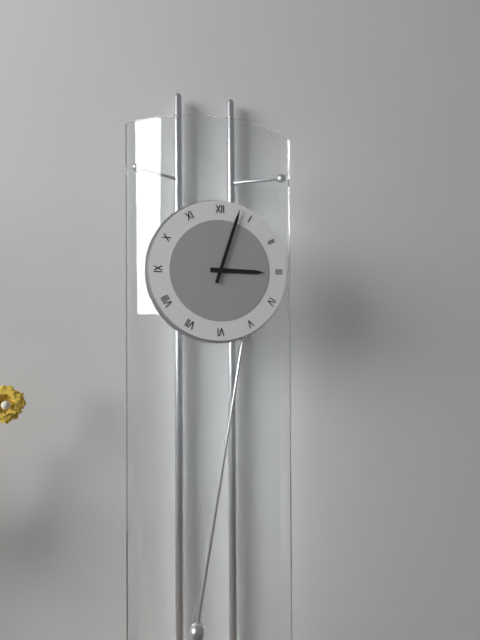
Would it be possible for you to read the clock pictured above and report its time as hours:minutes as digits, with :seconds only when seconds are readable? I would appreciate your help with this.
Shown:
3:03
